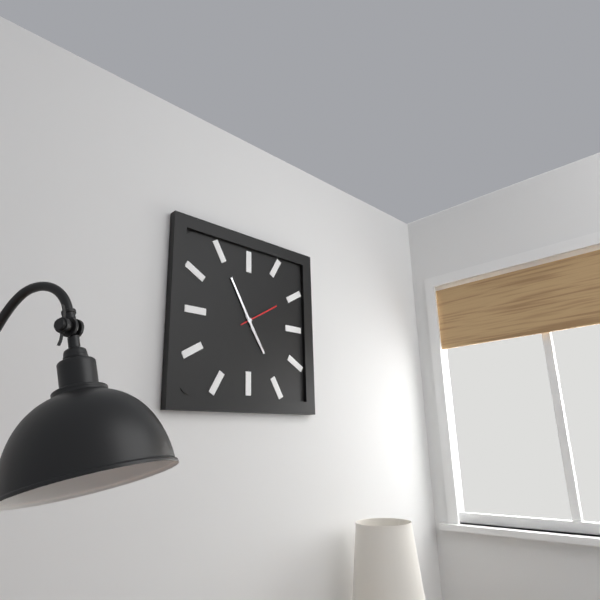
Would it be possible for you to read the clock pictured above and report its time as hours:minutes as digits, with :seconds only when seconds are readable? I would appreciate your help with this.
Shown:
4:55
